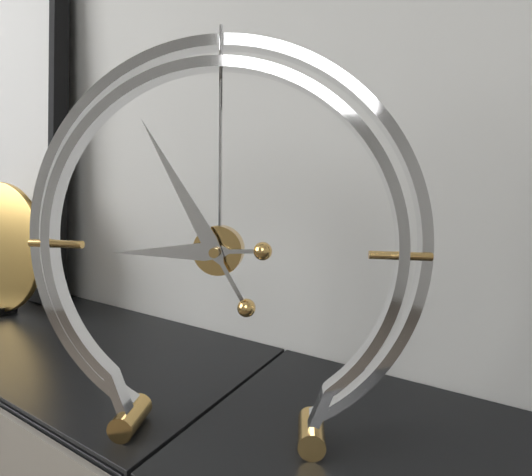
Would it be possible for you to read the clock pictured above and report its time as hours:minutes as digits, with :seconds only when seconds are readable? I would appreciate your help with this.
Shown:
8:55
